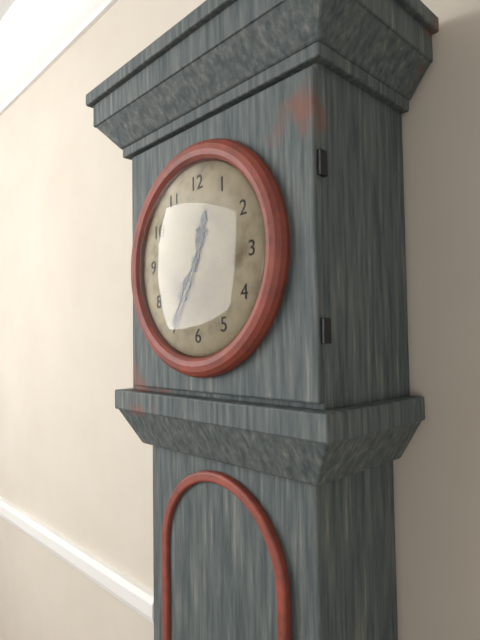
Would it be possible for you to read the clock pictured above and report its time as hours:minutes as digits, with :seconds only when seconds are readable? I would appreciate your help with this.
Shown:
12:35
